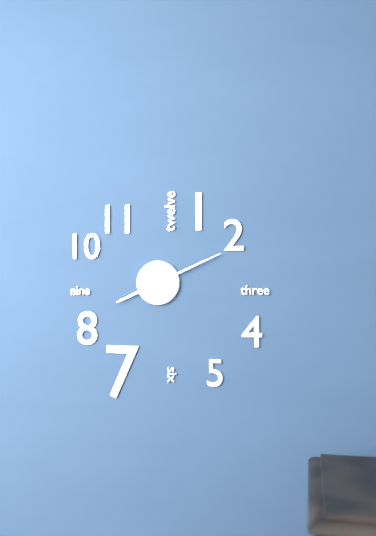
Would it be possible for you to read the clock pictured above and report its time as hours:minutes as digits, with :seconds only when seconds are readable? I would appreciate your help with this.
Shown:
8:11
